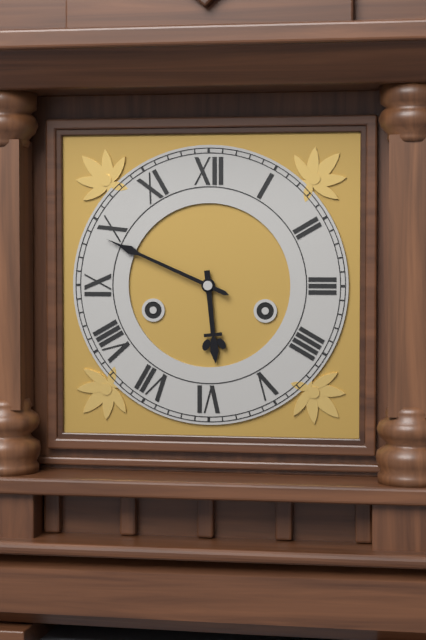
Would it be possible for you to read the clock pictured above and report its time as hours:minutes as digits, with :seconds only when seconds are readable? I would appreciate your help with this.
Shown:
5:49
